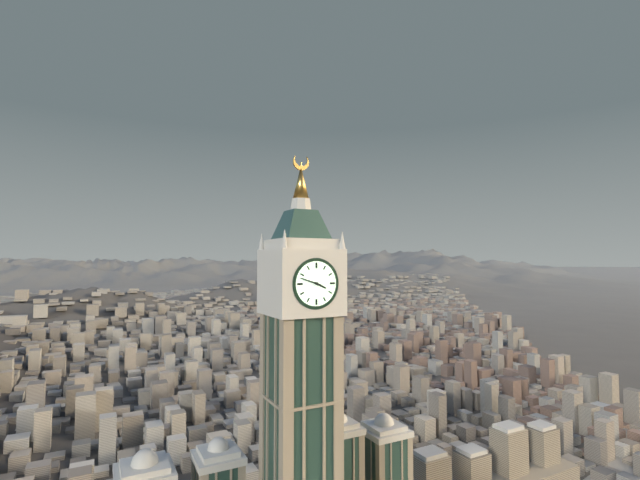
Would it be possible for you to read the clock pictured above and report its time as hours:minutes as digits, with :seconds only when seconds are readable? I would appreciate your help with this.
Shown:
3:48
